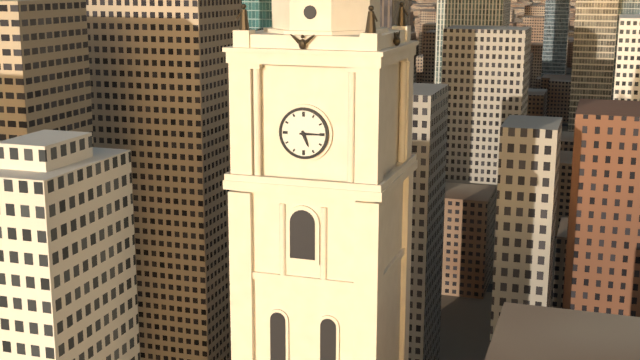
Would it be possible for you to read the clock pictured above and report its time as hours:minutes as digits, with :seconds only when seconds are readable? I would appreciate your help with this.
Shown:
5:15
